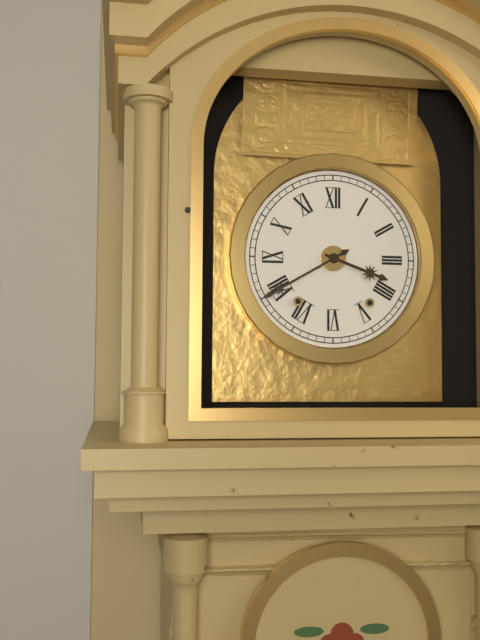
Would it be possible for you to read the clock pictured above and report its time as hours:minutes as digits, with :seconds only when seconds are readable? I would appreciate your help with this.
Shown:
3:40
